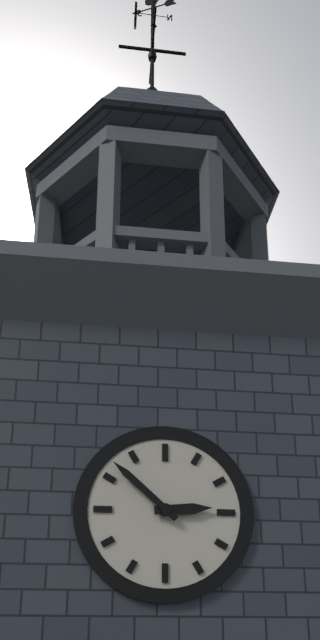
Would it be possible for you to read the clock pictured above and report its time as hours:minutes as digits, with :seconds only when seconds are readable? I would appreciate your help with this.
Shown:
2:52
